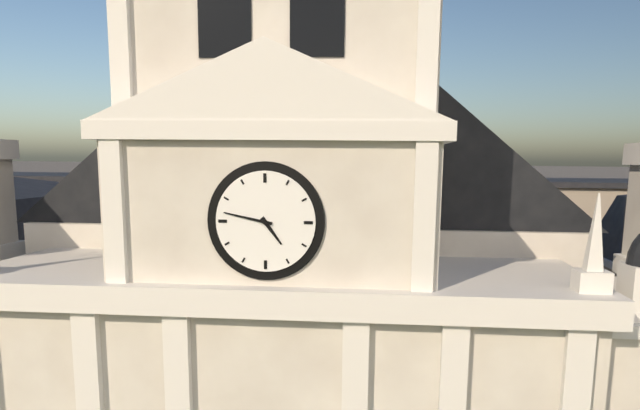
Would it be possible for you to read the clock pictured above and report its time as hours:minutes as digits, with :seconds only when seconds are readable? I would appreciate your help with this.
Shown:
4:47
